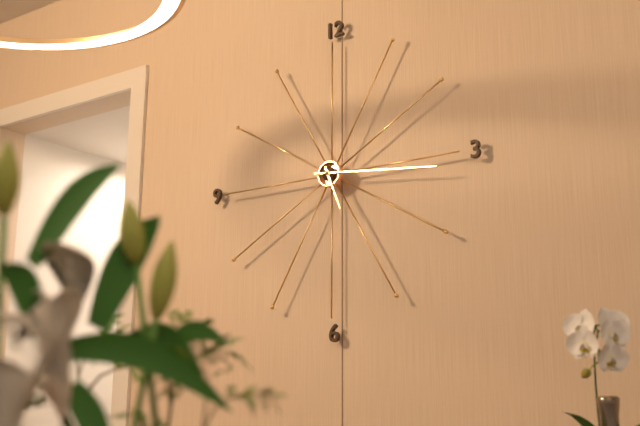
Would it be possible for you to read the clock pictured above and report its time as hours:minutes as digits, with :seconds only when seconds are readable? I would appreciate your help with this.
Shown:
5:16
